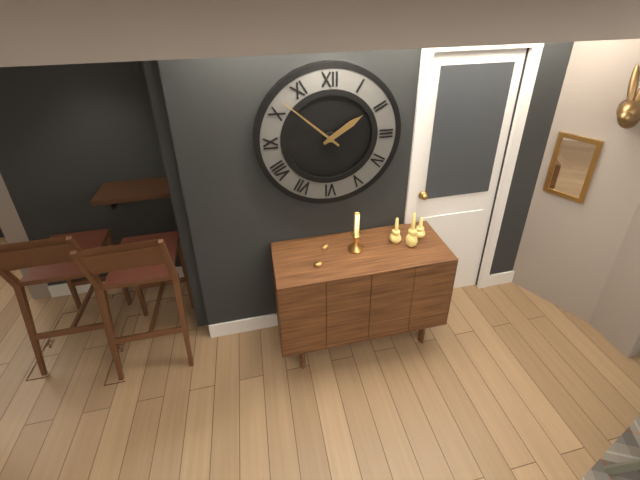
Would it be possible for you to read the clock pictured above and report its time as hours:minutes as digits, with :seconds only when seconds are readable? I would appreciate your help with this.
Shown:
1:52
